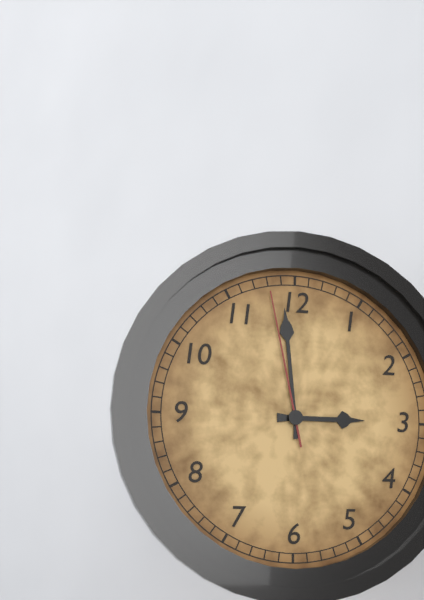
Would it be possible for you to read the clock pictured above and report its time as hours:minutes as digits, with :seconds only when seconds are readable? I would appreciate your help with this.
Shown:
2:59:58
